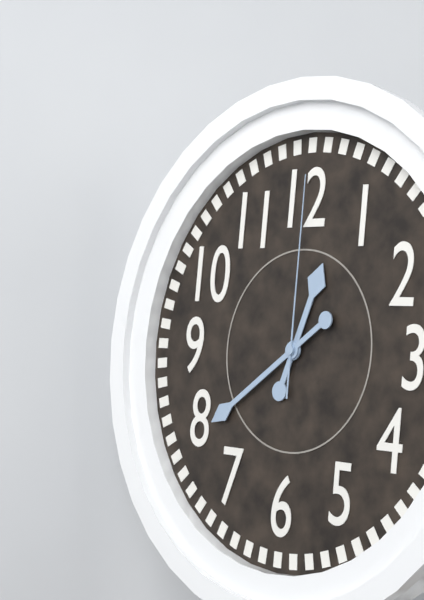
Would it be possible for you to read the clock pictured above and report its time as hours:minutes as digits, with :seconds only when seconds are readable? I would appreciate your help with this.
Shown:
12:39:00
